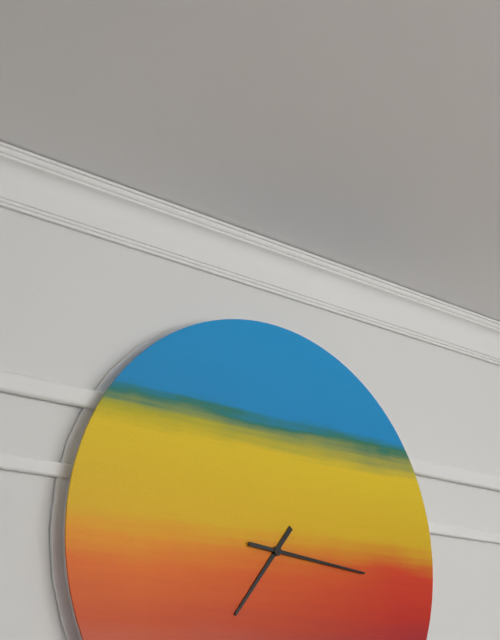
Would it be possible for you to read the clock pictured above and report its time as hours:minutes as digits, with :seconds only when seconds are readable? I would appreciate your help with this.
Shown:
7:16
